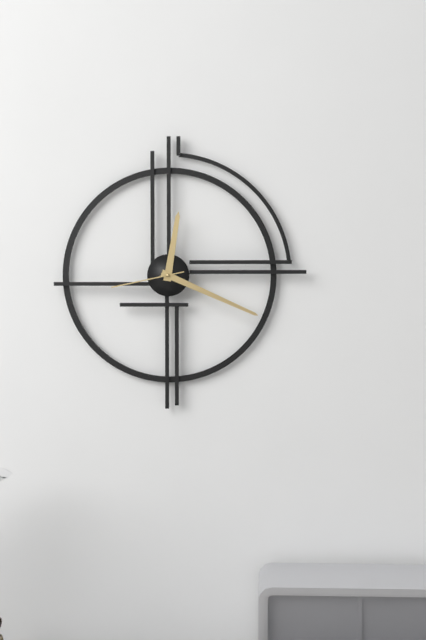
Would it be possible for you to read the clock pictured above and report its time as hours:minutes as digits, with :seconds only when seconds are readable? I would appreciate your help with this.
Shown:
12:19:43
